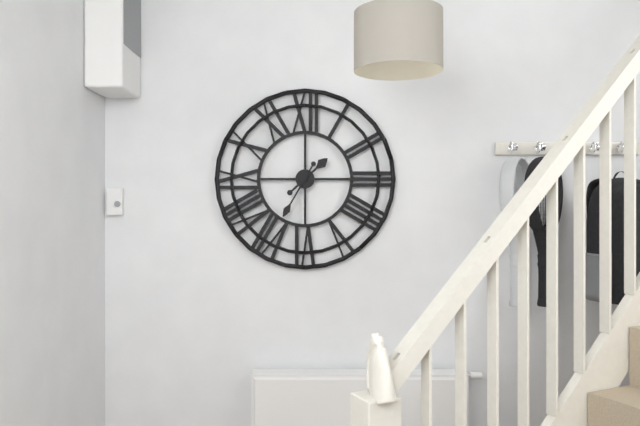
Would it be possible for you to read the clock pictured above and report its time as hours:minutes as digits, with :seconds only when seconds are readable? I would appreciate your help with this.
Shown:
1:35
